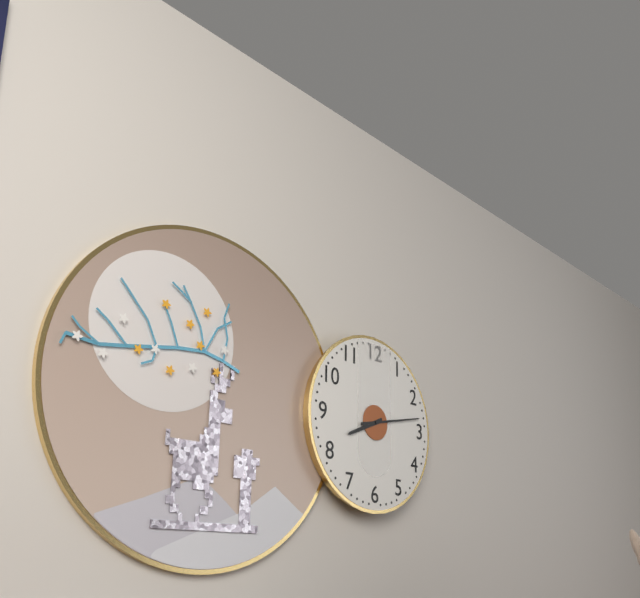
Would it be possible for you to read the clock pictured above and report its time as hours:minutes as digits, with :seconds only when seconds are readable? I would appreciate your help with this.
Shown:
8:13
